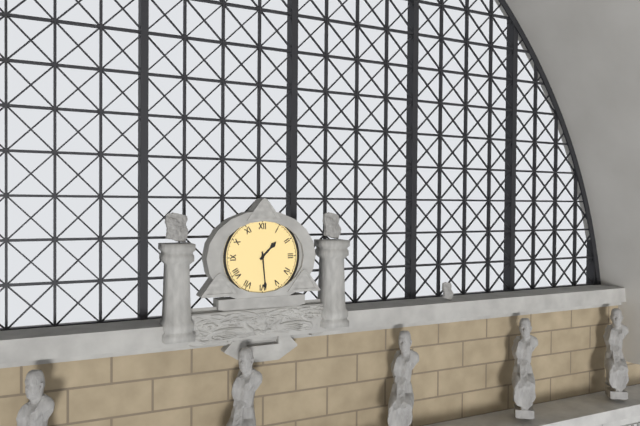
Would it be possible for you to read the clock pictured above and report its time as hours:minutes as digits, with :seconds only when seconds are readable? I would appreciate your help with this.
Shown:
1:29
